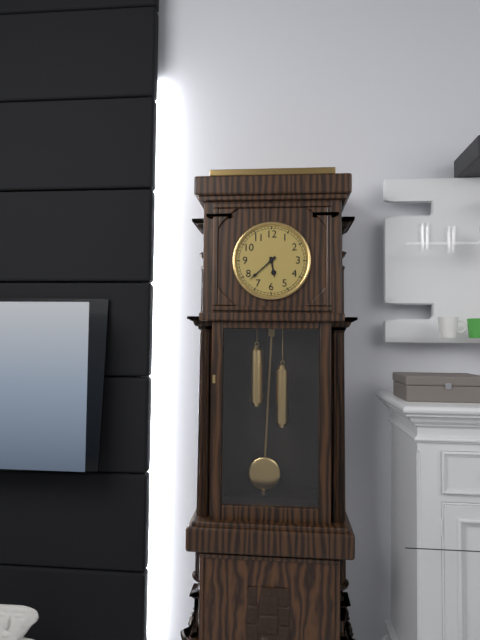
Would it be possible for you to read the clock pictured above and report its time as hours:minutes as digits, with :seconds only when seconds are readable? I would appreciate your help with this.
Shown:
5:38
